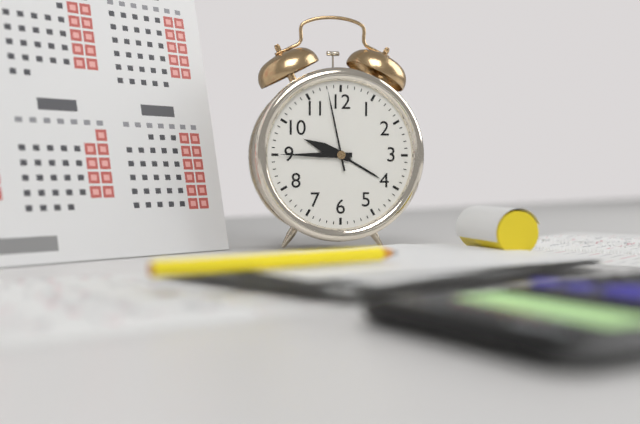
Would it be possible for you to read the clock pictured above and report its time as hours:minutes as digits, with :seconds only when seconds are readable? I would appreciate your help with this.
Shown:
9:45:58
